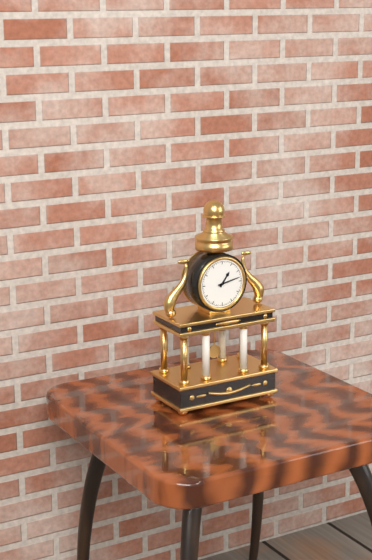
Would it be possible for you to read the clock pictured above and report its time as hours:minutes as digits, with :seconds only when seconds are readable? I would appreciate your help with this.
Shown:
1:13
